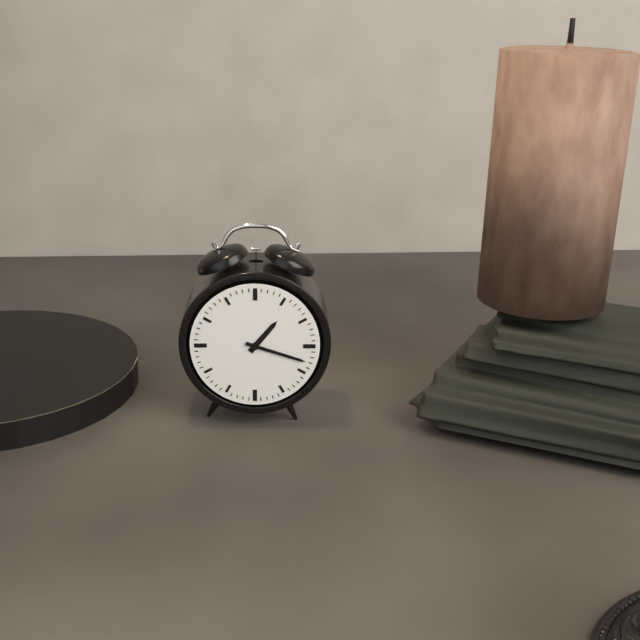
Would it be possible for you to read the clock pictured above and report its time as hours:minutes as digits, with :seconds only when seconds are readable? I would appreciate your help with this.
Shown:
1:18
